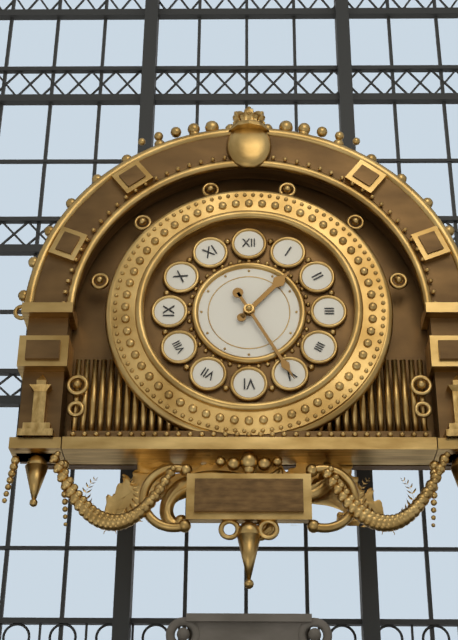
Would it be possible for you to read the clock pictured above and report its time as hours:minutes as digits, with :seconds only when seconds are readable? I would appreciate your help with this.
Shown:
1:25
